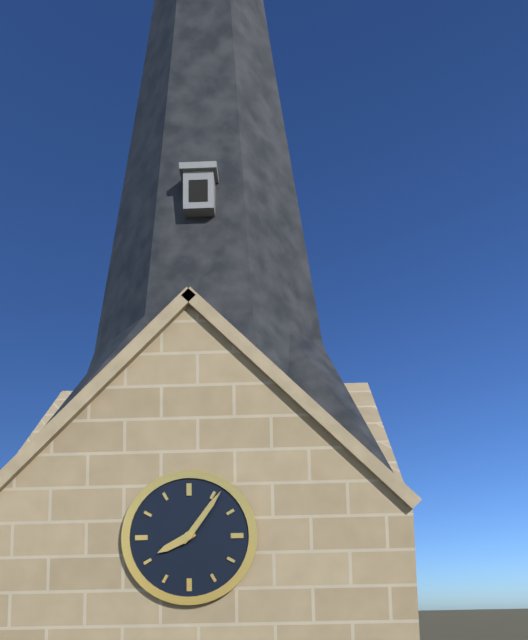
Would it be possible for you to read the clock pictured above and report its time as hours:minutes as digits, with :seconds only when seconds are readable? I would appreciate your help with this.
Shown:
8:06
